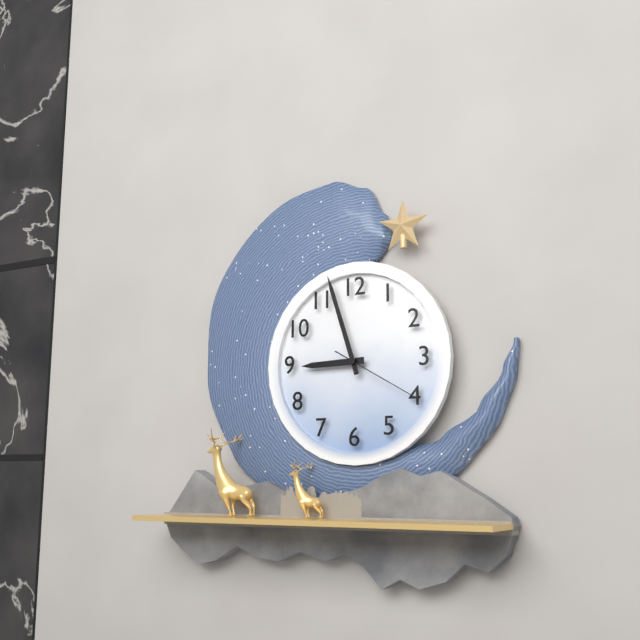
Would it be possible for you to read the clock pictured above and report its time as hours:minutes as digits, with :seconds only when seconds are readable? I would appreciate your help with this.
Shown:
8:57:20
